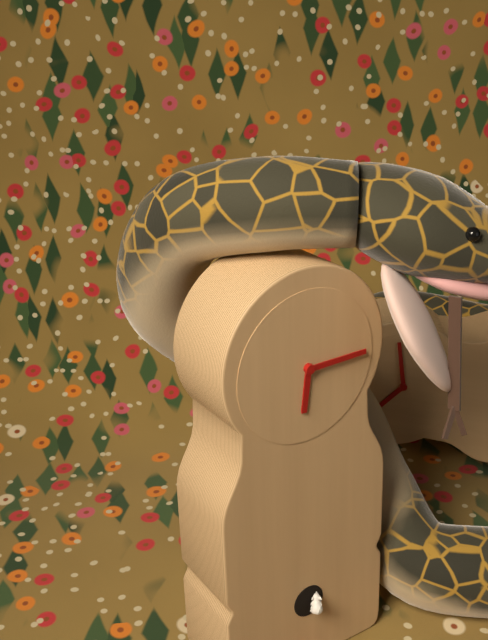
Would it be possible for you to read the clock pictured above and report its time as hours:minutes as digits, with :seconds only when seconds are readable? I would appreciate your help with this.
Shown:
6:15
